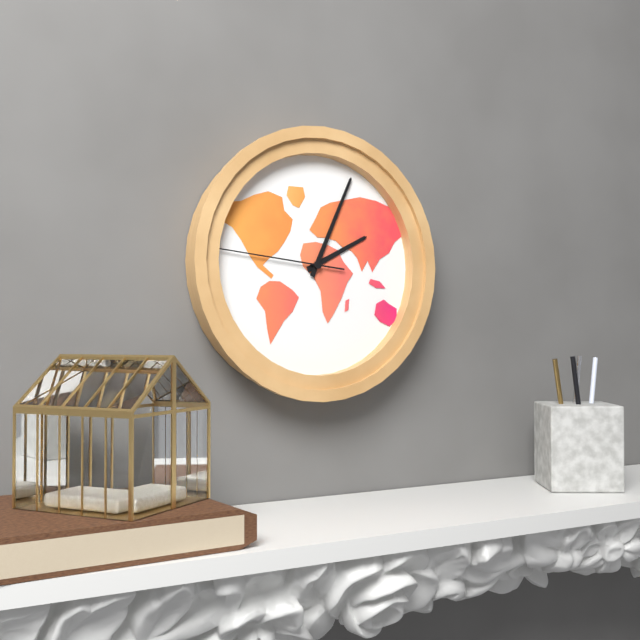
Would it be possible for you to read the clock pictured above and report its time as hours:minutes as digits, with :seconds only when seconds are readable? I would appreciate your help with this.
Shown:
2:04:46
